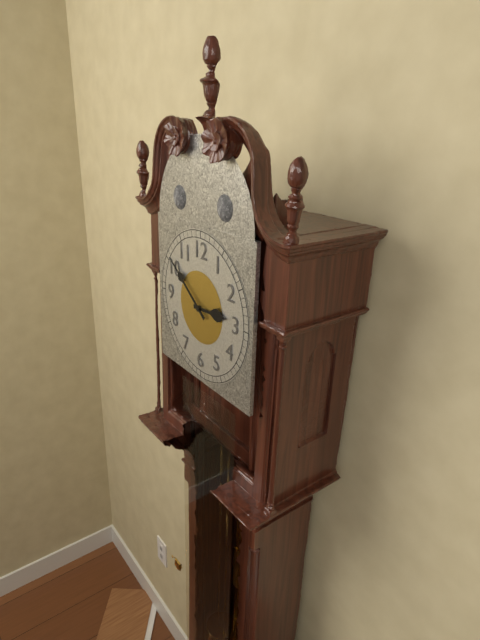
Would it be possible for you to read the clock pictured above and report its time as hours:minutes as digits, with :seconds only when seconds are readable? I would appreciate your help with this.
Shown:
2:51
